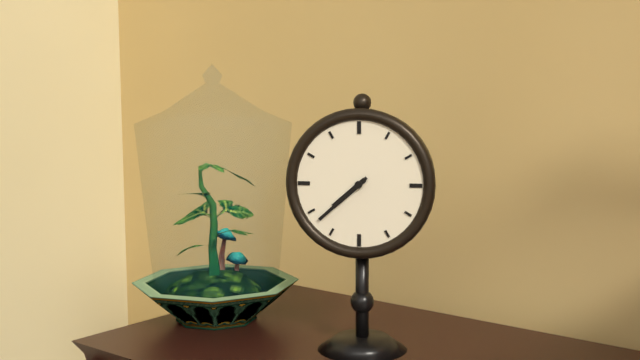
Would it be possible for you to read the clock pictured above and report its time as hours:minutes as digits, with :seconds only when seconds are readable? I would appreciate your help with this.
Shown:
7:38
